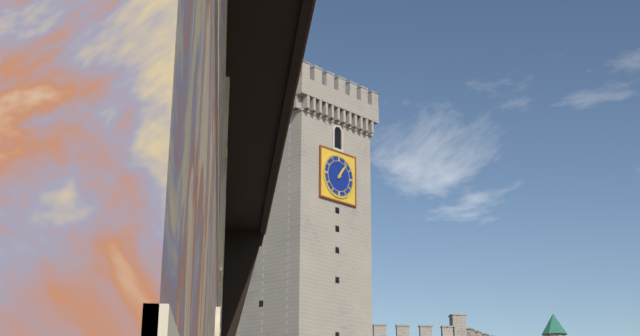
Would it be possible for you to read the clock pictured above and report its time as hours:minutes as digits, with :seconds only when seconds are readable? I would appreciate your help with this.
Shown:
1:06
